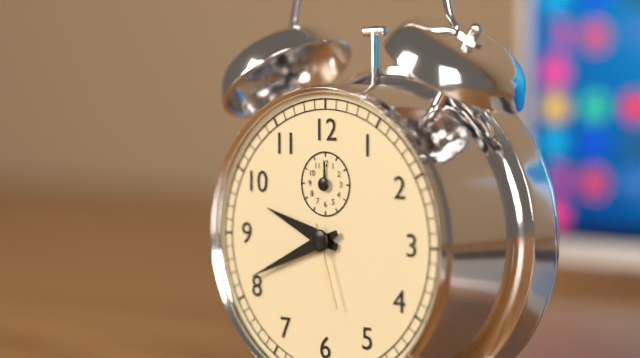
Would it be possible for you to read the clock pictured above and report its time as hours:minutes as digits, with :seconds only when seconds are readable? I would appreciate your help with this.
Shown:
9:41:27
